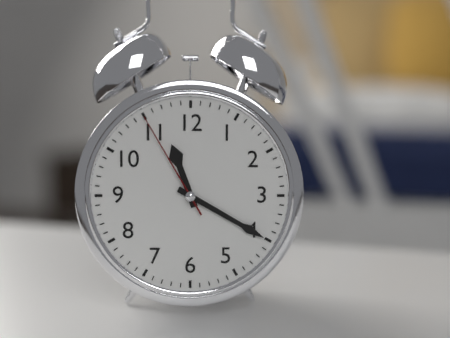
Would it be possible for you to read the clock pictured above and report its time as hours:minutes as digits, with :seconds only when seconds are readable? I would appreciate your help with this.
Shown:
11:20:55
